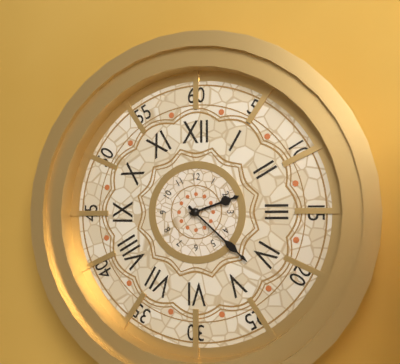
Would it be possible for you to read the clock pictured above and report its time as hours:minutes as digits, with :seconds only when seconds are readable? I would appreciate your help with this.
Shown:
2:22
